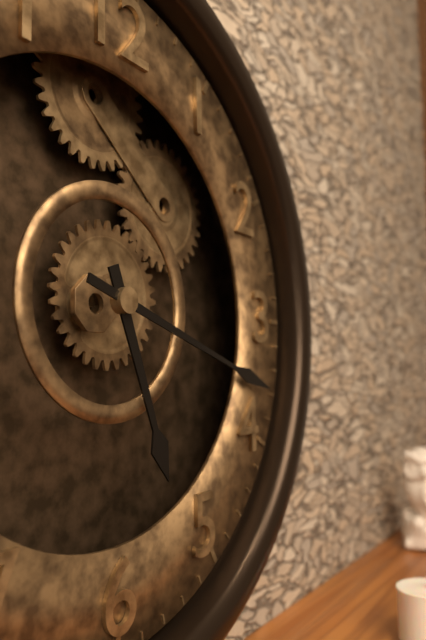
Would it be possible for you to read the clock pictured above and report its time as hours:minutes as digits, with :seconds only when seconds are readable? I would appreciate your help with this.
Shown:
5:18
